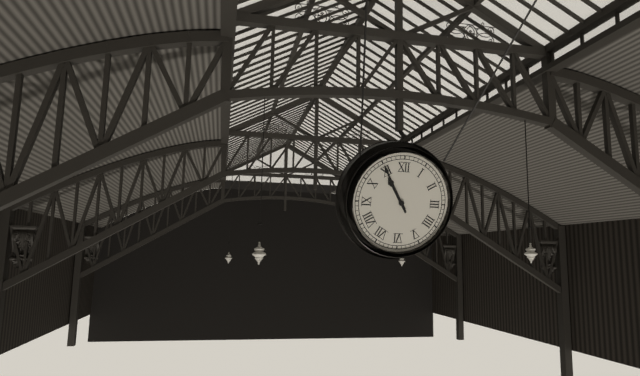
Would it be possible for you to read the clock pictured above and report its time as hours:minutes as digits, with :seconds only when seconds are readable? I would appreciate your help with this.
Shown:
10:55
